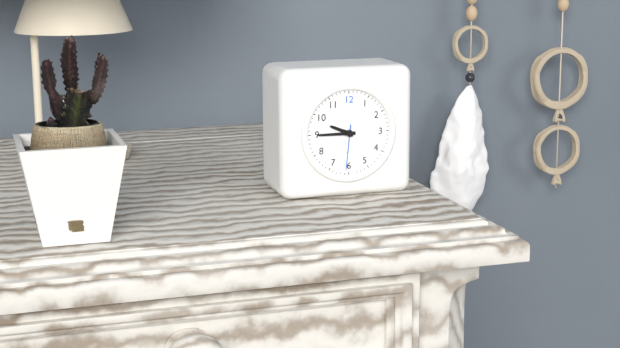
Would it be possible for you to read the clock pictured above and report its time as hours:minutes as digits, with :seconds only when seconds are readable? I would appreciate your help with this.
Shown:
9:45
